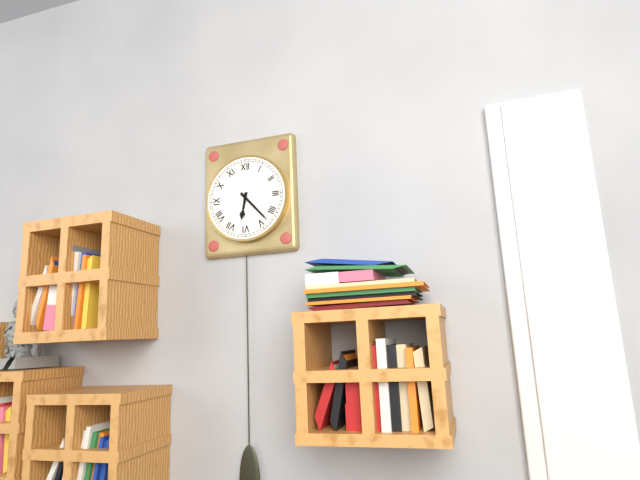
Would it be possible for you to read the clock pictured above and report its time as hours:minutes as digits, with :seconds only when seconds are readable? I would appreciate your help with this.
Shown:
6:23
